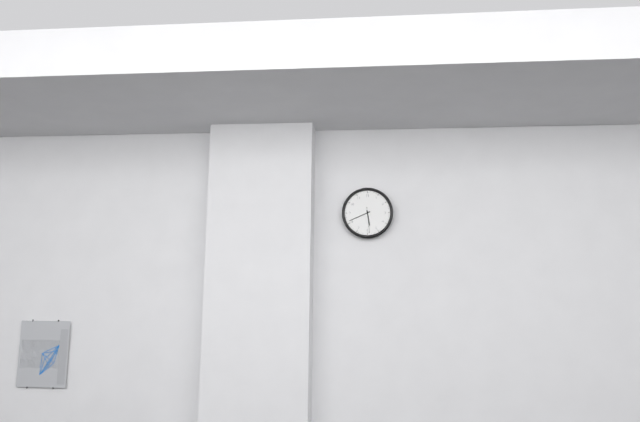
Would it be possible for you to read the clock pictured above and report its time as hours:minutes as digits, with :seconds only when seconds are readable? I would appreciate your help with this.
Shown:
5:41
